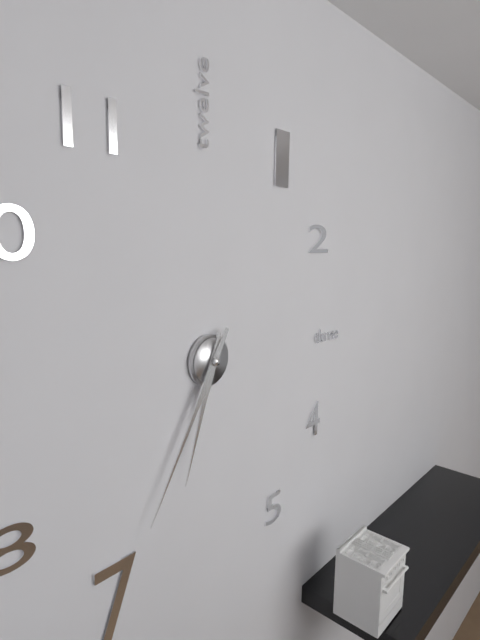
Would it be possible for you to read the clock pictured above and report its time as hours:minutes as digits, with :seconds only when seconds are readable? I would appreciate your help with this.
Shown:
6:35
